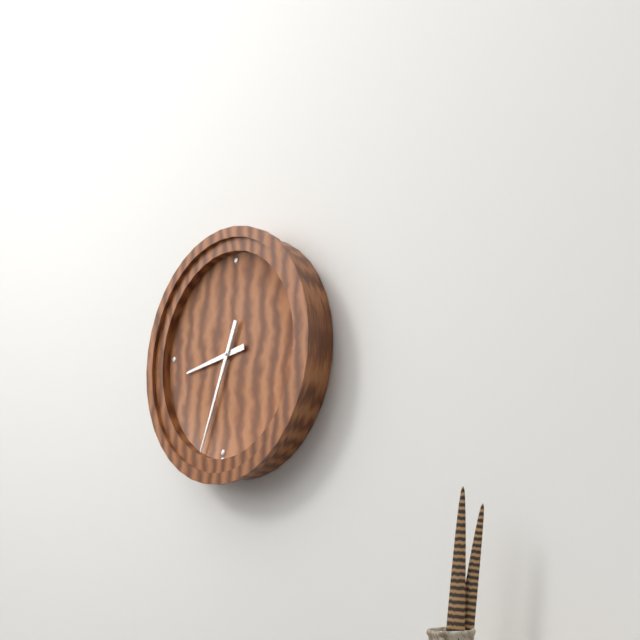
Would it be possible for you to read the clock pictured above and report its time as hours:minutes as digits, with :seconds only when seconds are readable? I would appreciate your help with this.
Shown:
8:33
